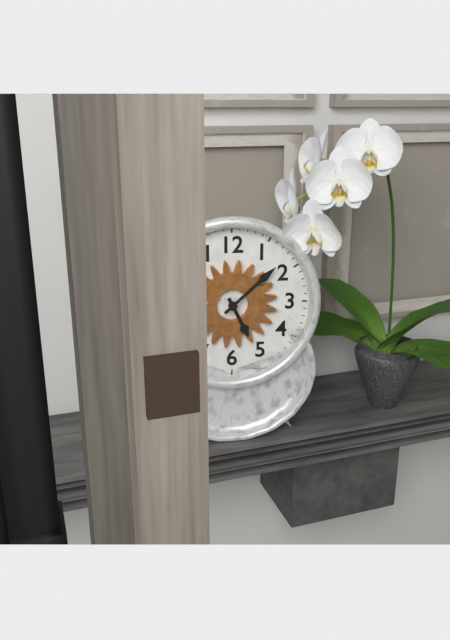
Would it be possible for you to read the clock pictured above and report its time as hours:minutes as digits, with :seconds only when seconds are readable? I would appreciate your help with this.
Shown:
5:08
